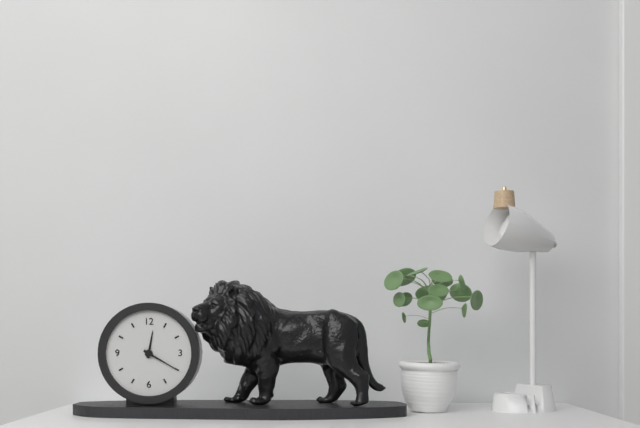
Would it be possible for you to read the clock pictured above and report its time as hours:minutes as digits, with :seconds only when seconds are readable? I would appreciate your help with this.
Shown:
12:20
